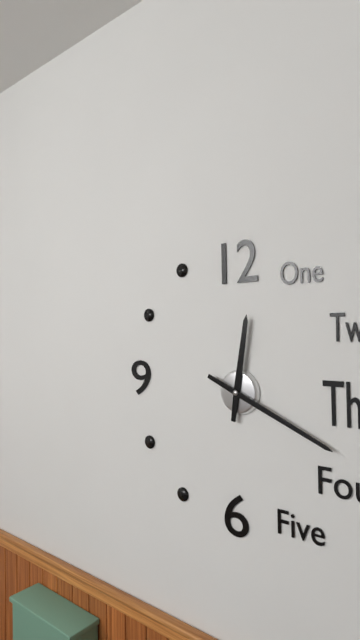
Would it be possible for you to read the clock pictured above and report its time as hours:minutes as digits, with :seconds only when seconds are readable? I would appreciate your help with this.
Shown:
12:19
